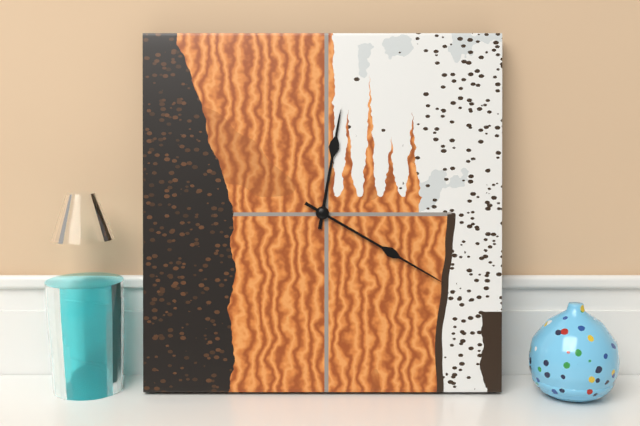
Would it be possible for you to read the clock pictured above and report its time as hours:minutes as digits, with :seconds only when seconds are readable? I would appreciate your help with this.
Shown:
12:20
